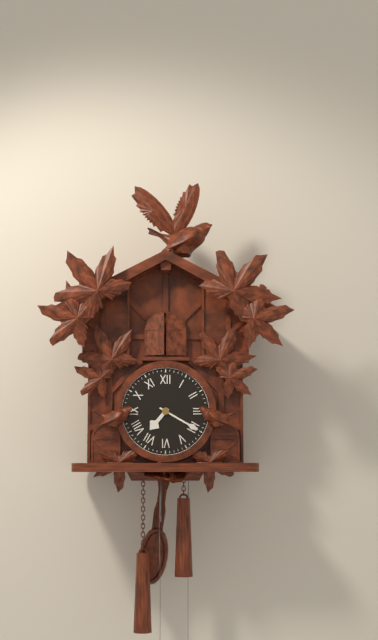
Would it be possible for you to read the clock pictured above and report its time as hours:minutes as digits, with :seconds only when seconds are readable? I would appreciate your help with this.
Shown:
7:20
